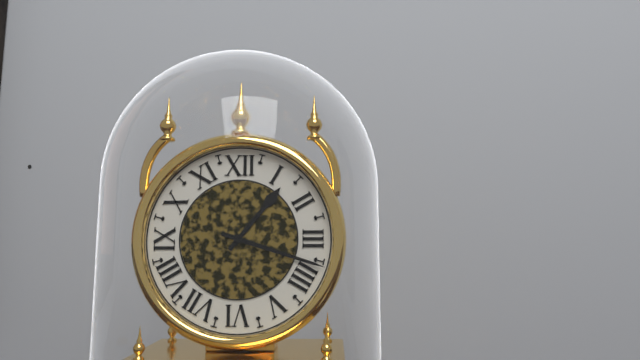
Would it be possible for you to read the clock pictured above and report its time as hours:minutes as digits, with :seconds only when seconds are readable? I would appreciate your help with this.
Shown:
1:18
